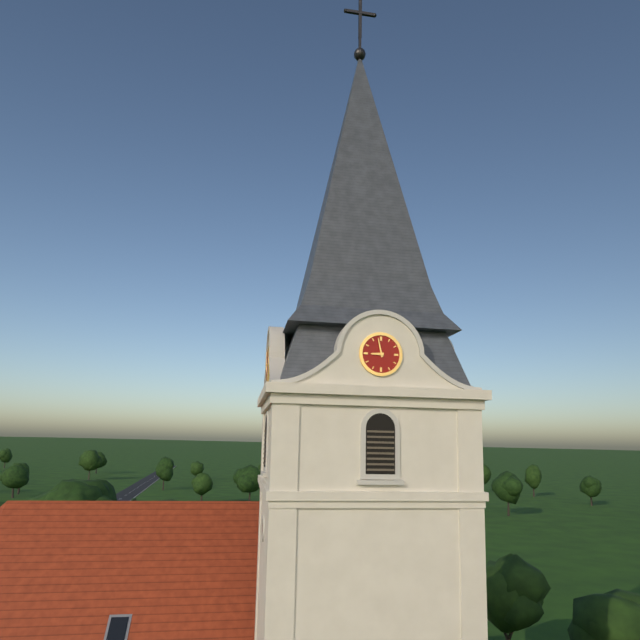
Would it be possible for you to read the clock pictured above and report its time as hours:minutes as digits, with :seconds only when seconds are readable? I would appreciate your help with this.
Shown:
8:58
